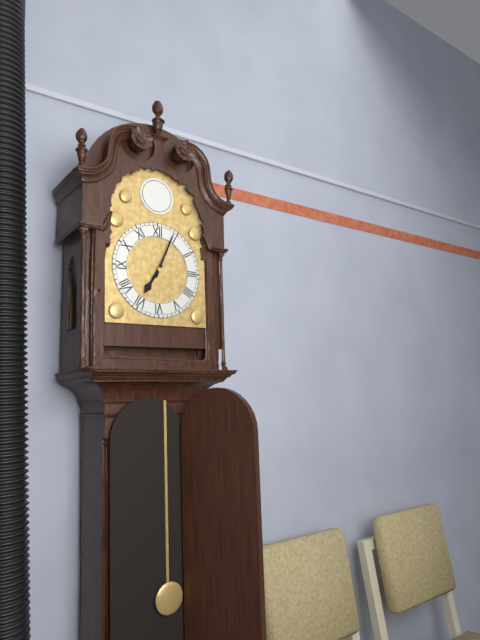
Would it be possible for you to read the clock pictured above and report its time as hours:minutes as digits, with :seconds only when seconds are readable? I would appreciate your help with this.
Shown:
7:04
